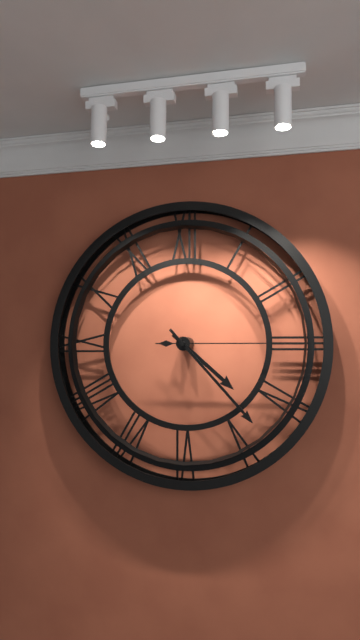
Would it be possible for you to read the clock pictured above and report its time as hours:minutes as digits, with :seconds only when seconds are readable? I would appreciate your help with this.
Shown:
4:23:15
